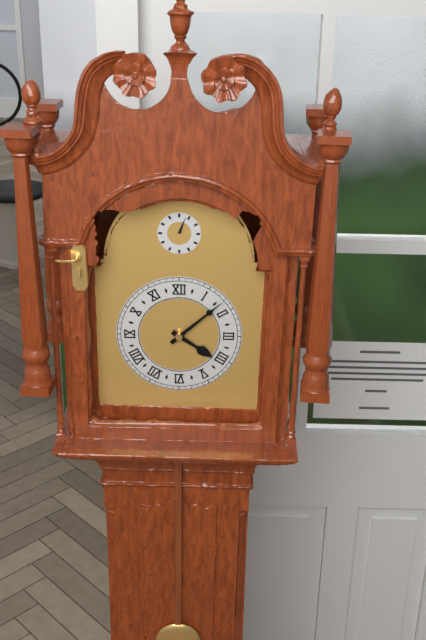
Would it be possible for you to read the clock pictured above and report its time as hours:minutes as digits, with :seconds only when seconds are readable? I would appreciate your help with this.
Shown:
4:08
